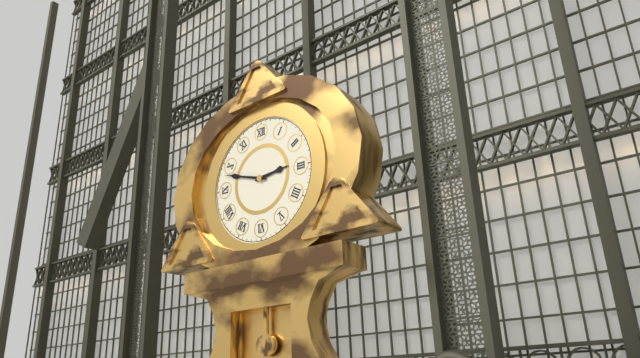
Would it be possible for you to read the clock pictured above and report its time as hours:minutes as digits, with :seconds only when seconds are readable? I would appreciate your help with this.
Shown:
2:48
